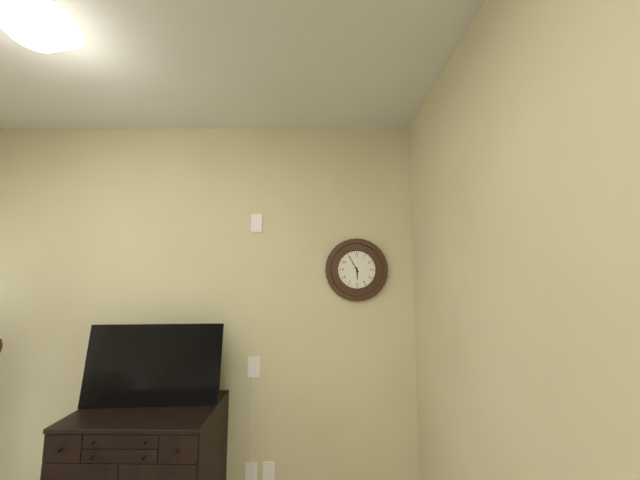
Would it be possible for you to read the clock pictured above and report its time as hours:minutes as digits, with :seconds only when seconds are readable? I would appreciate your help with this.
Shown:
5:55
